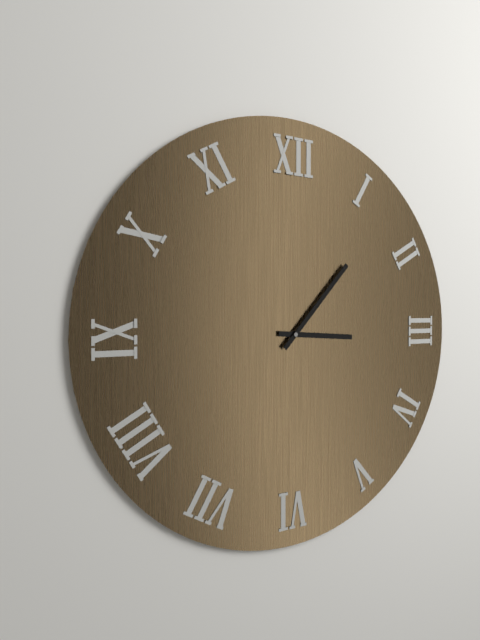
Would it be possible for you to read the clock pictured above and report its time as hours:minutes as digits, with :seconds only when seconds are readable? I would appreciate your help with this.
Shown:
3:07
